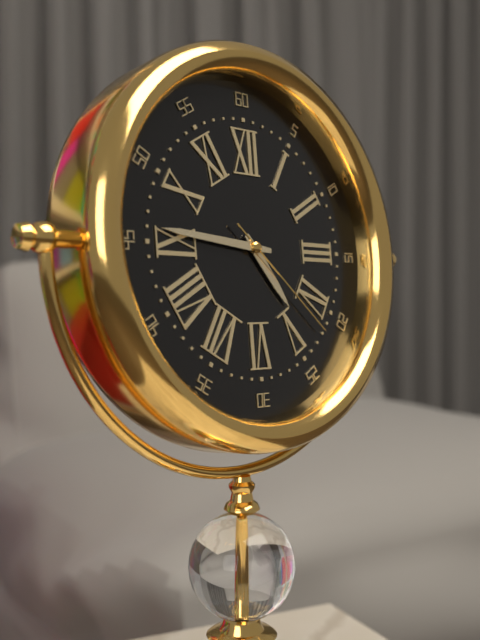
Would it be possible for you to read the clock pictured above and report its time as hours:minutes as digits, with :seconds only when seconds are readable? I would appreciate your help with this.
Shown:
4:46:22
